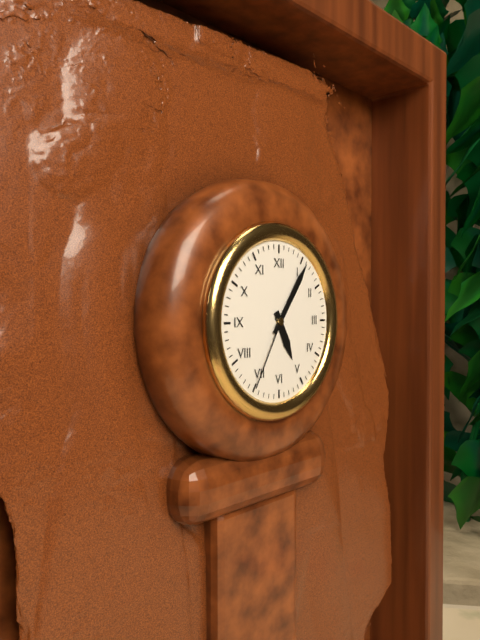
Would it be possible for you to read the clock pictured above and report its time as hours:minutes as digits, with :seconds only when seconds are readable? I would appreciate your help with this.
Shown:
5:06:35
